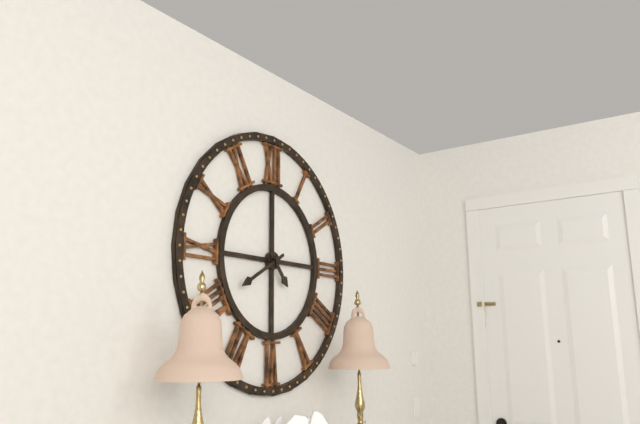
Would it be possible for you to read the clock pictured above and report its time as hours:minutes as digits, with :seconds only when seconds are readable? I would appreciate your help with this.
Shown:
4:40
